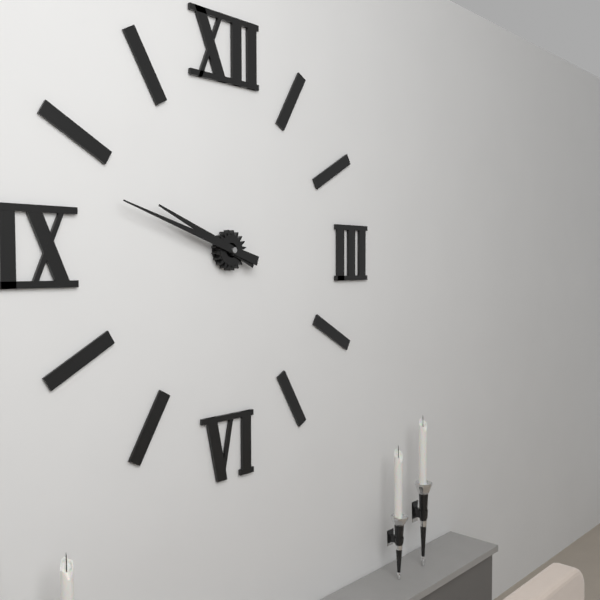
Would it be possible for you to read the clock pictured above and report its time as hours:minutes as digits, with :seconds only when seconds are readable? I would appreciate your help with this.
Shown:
9:48
